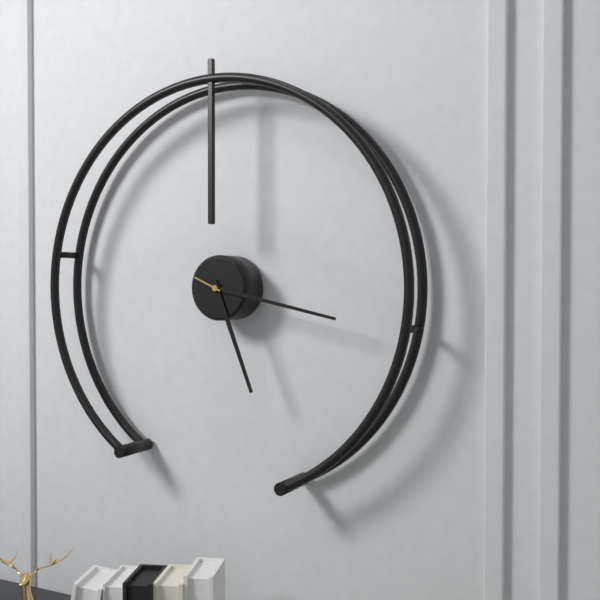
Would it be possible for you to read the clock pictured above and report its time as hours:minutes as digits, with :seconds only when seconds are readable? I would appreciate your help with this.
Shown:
5:17
